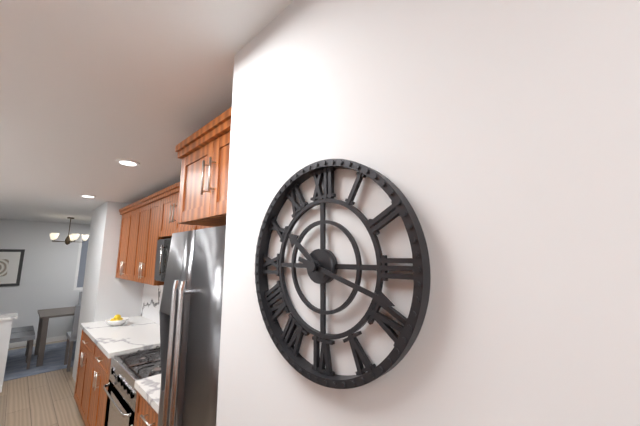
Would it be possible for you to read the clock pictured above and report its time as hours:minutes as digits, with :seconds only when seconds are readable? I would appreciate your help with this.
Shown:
10:18
